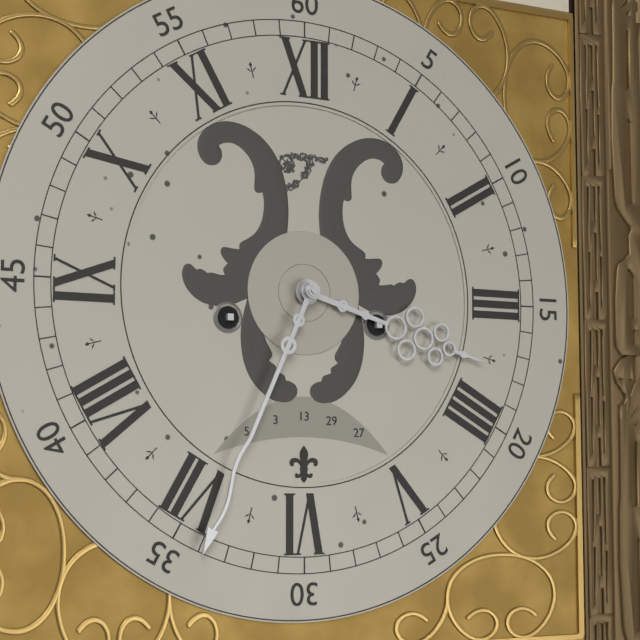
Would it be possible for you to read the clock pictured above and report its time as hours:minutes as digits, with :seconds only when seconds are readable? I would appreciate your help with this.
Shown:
3:34
